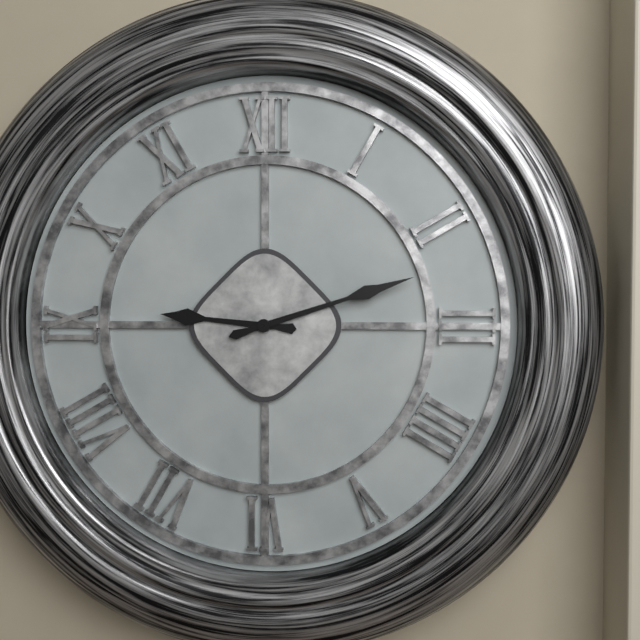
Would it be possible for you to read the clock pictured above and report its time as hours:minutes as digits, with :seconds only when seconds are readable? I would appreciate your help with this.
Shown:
9:12
